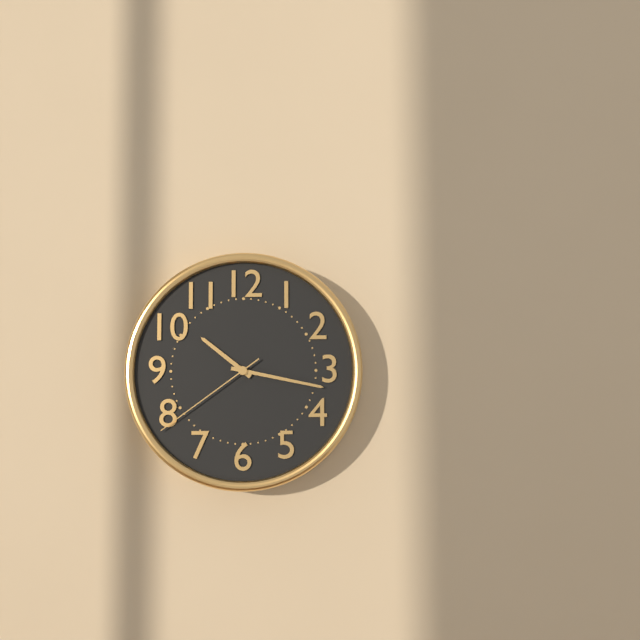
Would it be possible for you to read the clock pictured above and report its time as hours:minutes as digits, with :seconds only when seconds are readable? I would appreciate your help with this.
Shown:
10:17:39
